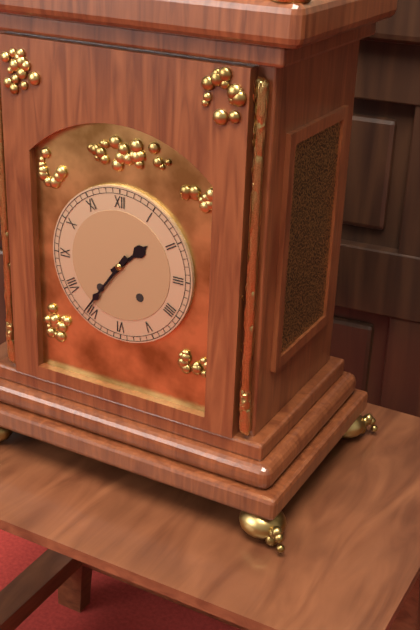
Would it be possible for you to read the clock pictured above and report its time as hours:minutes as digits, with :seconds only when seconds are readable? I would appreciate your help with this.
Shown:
1:36
